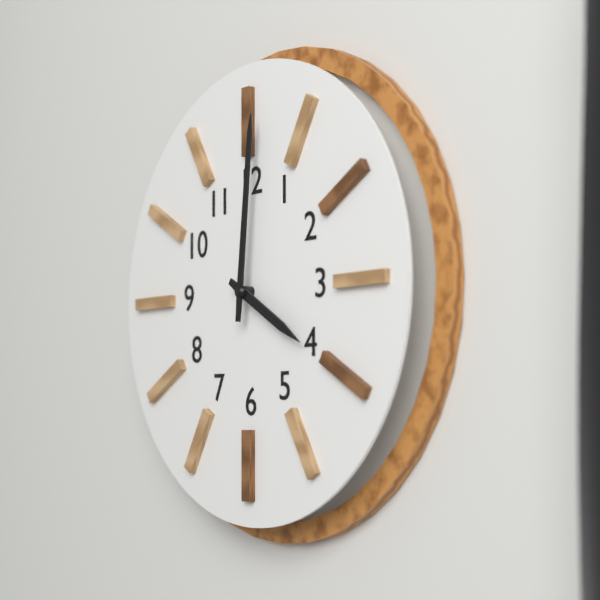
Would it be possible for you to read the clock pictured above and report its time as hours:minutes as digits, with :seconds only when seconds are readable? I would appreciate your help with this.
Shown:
4:01
